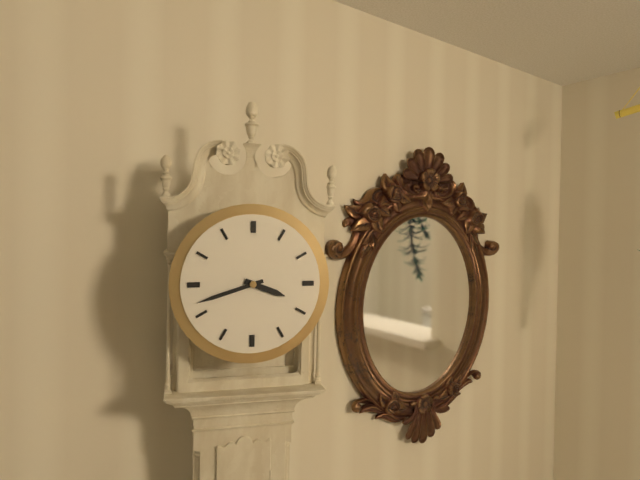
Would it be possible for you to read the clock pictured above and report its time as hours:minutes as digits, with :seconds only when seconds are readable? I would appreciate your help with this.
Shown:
3:42
